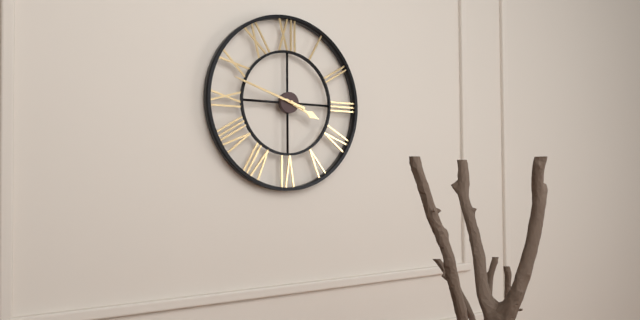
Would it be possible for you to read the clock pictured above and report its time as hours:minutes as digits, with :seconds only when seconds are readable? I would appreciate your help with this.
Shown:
3:48
